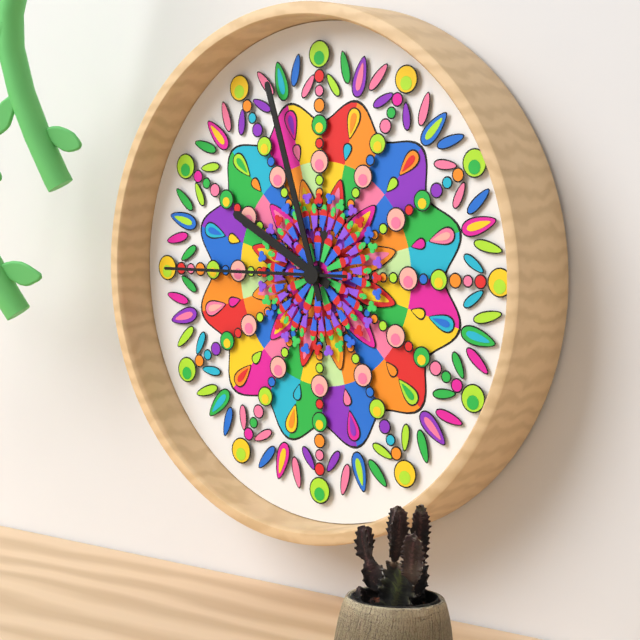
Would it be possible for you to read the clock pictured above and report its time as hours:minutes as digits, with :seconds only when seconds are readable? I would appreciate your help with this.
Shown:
9:57:45
